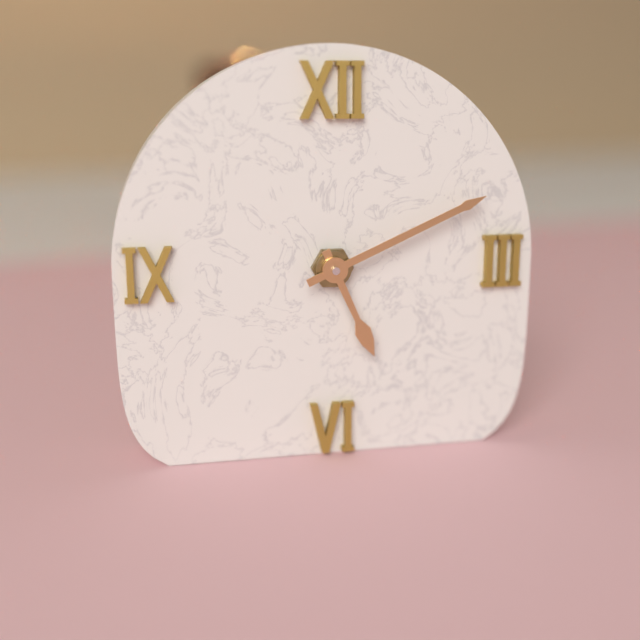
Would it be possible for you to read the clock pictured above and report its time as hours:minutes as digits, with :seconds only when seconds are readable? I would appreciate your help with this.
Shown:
5:11
